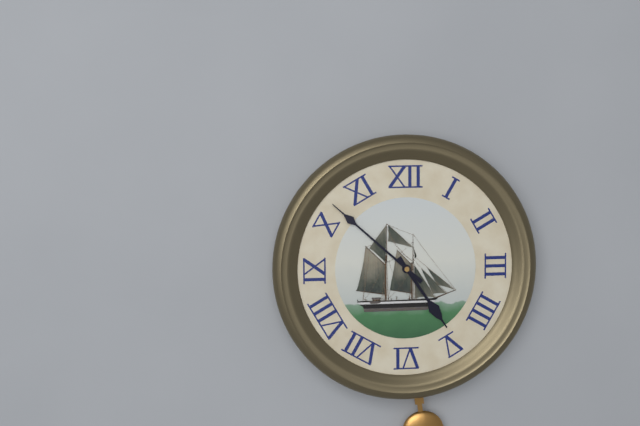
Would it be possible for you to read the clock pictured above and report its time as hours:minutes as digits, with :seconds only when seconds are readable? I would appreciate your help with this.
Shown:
4:52
